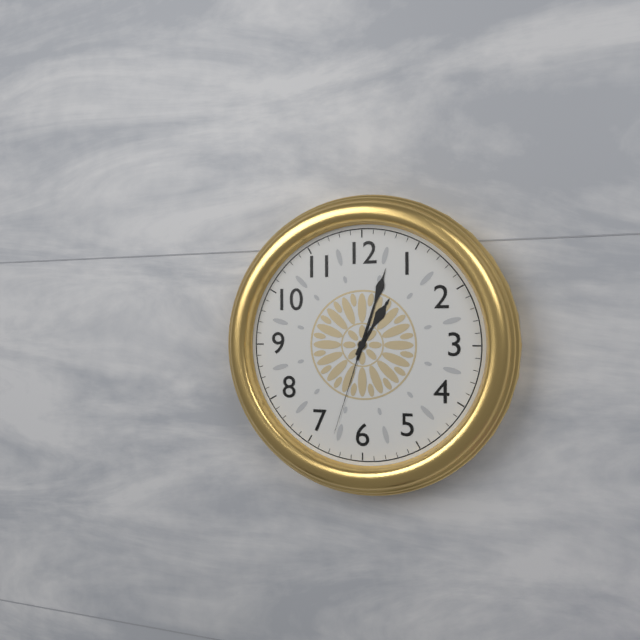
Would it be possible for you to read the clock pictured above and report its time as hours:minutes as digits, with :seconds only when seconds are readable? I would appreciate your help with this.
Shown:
1:03:33
